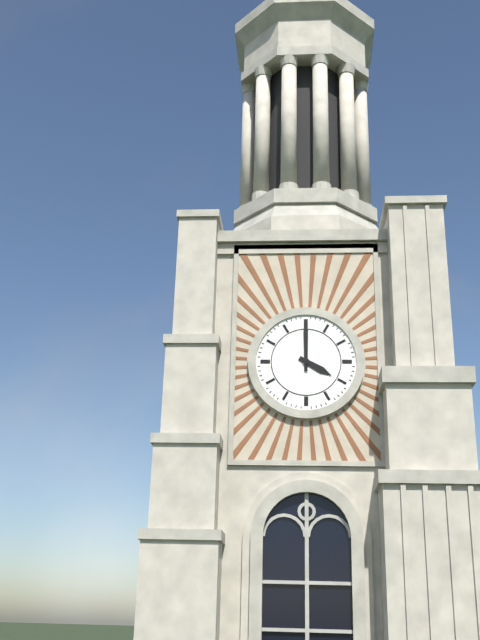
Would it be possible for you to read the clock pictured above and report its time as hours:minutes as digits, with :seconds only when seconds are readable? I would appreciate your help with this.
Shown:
4:00
